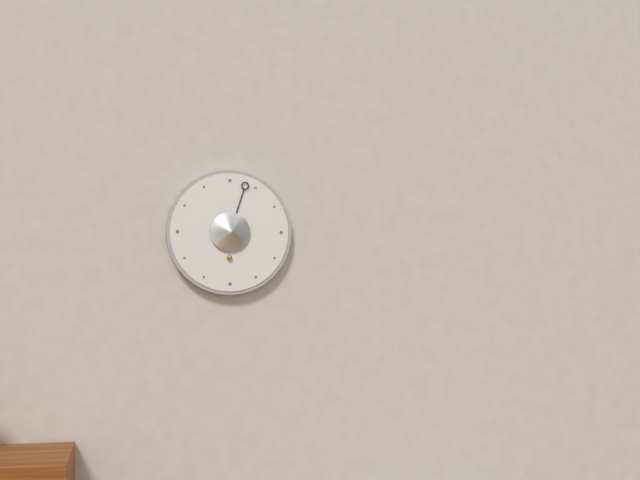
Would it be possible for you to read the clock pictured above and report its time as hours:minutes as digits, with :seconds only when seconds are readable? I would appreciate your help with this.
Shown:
6:03
